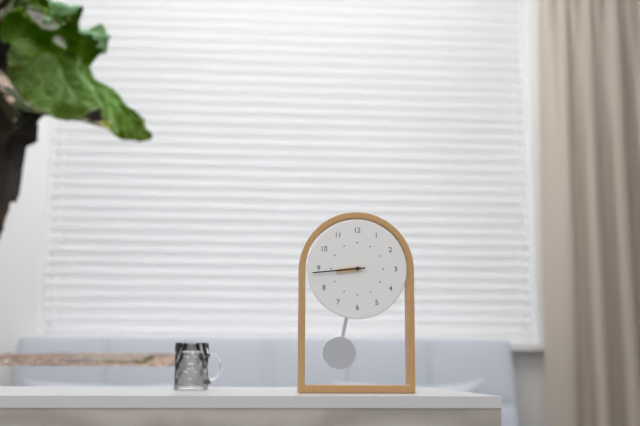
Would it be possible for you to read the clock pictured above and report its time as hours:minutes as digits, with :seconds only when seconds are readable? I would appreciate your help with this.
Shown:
8:44
